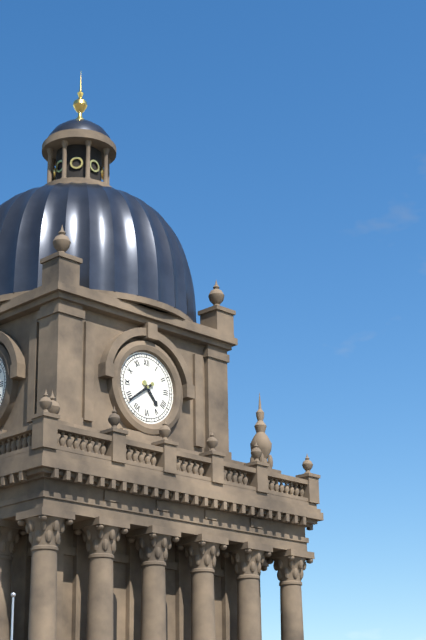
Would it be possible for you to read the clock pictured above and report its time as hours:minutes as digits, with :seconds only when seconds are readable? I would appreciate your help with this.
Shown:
4:39
